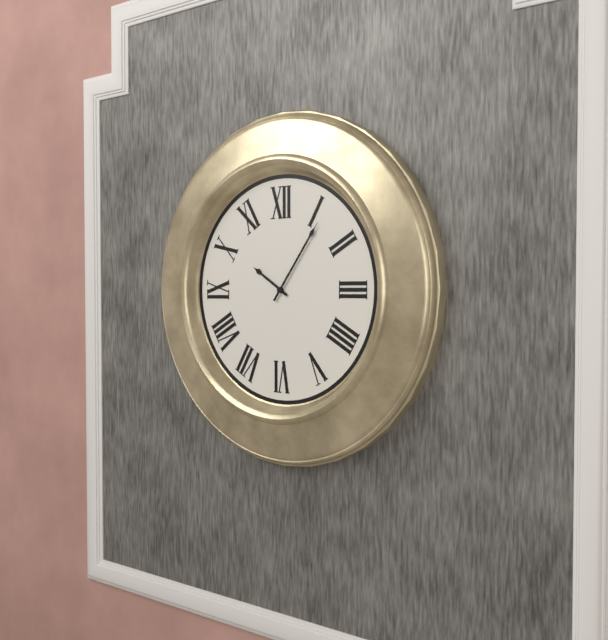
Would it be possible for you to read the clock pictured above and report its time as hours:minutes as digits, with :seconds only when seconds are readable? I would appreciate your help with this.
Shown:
10:06
